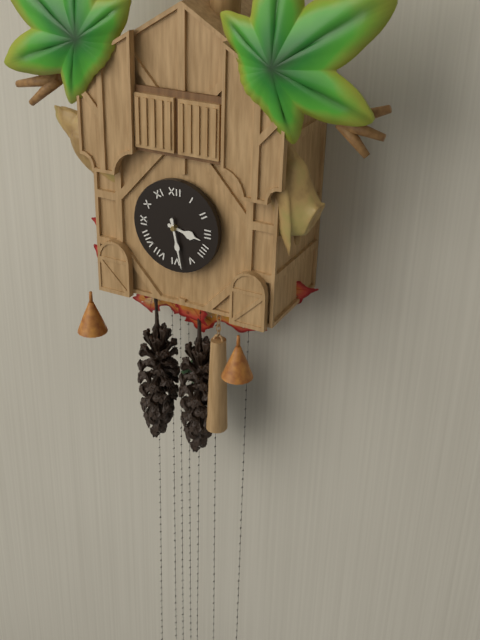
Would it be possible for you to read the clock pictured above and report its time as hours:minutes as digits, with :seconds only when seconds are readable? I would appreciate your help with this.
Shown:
3:28
